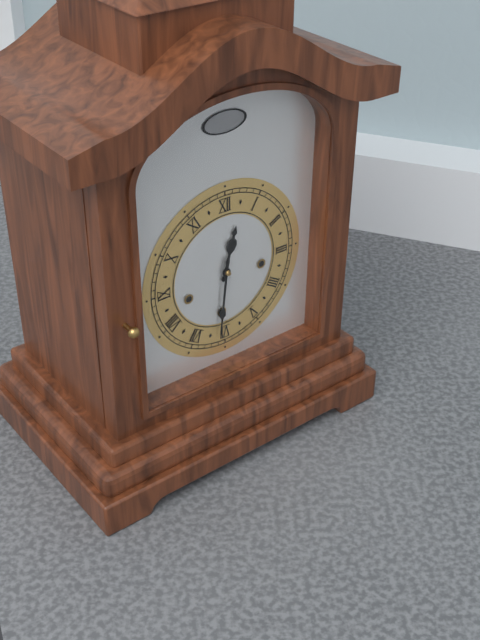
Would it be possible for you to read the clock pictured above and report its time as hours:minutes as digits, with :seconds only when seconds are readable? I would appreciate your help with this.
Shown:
12:31
